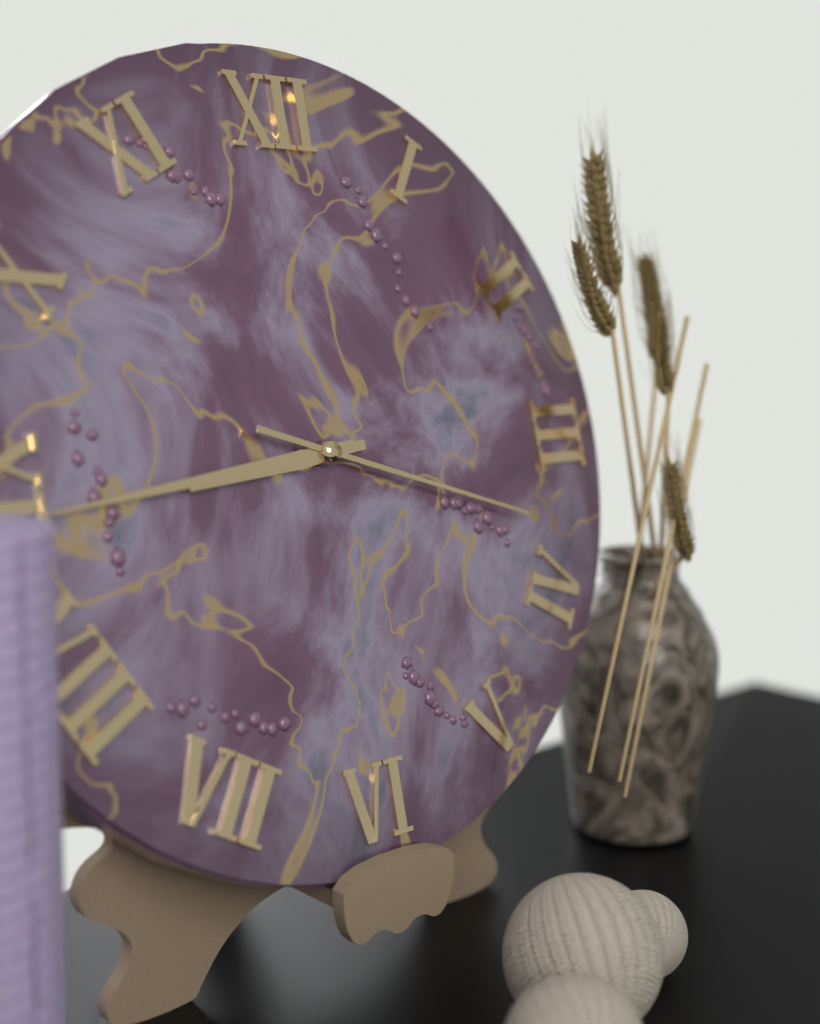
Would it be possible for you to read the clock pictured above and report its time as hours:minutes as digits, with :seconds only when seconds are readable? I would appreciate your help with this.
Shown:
8:44:18
